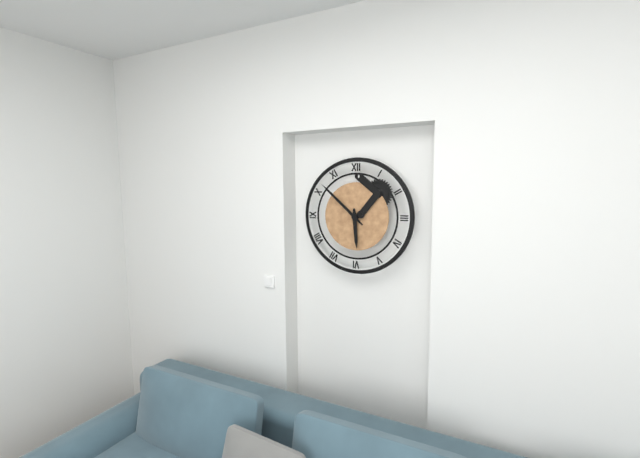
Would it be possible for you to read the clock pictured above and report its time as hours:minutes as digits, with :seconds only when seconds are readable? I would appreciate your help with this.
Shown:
5:52
